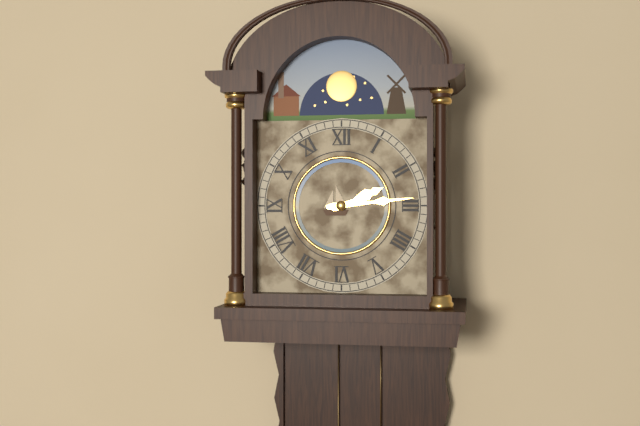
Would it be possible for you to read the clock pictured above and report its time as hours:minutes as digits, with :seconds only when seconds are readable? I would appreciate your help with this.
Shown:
2:14
